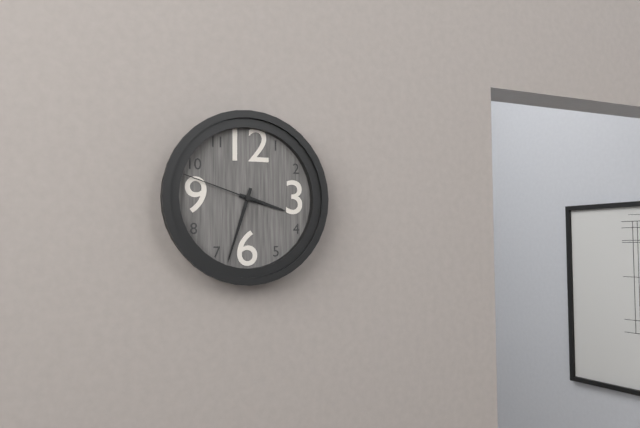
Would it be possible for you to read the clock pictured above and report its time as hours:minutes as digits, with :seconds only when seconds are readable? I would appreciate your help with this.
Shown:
3:33:48
